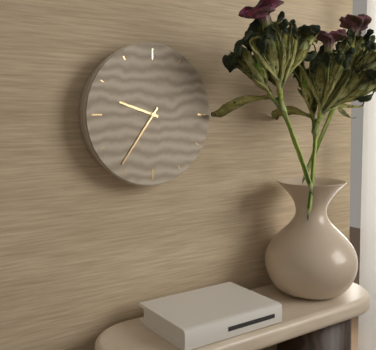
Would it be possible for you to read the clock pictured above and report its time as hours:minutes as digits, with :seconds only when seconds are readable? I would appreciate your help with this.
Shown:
9:36
